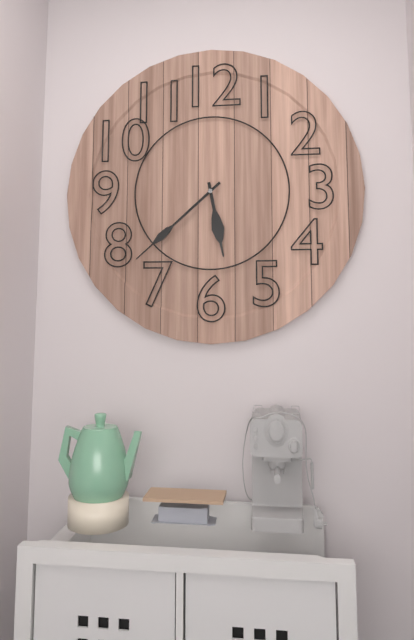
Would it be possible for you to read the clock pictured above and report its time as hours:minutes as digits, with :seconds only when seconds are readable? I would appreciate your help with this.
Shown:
5:38
